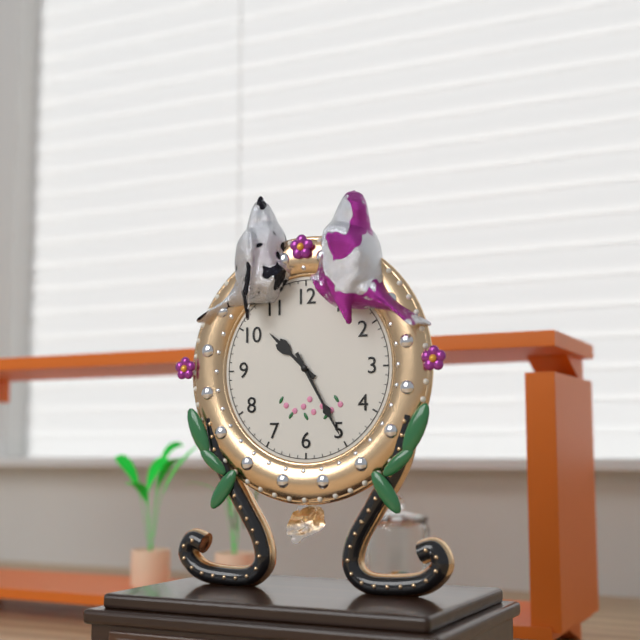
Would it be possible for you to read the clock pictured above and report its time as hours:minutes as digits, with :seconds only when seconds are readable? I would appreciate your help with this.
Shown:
10:25
